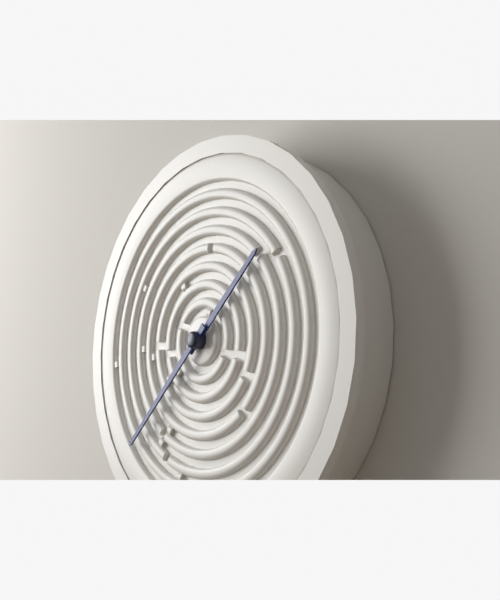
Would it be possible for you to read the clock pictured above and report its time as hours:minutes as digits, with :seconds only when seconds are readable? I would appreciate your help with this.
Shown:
1:38
